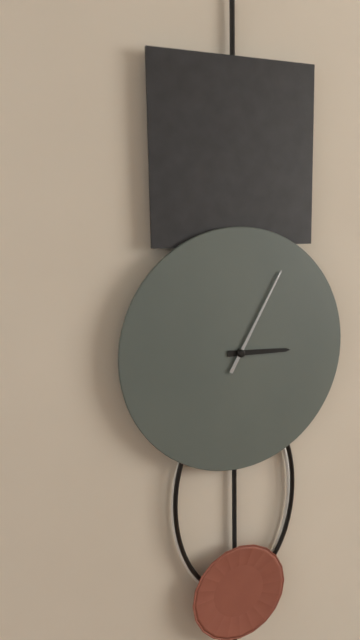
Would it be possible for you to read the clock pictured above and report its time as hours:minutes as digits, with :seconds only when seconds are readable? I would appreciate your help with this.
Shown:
3:05
